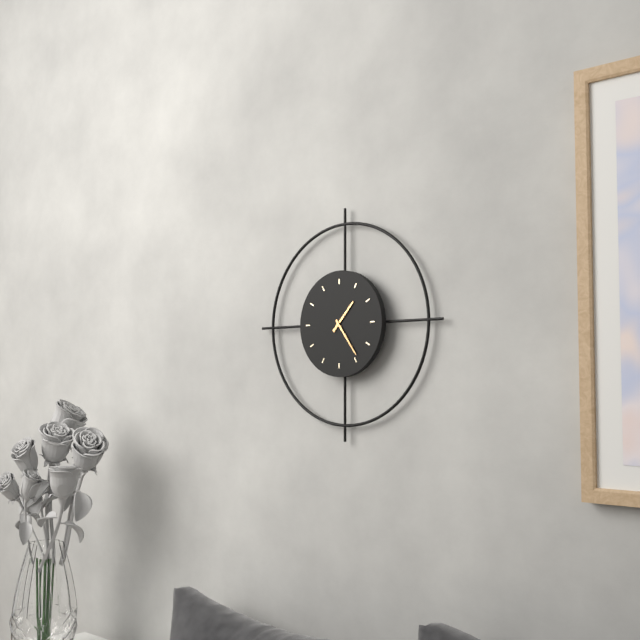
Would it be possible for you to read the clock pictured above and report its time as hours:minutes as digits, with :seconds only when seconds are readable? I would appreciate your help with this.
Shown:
1:24
